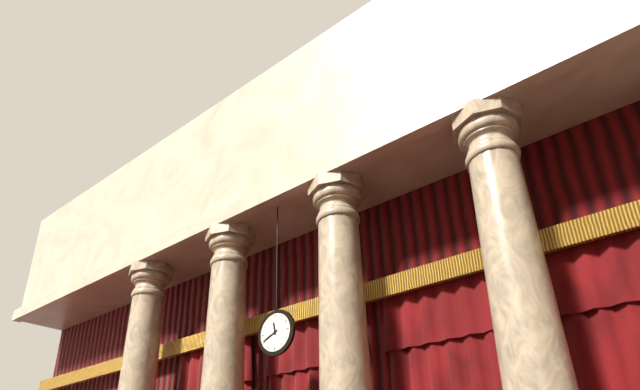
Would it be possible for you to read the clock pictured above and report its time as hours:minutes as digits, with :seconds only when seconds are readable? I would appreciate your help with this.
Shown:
11:41
